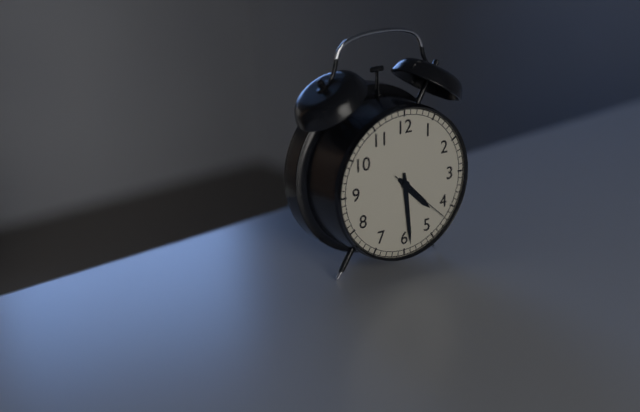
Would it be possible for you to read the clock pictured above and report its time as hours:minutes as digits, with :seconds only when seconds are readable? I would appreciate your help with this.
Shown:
4:29:22
